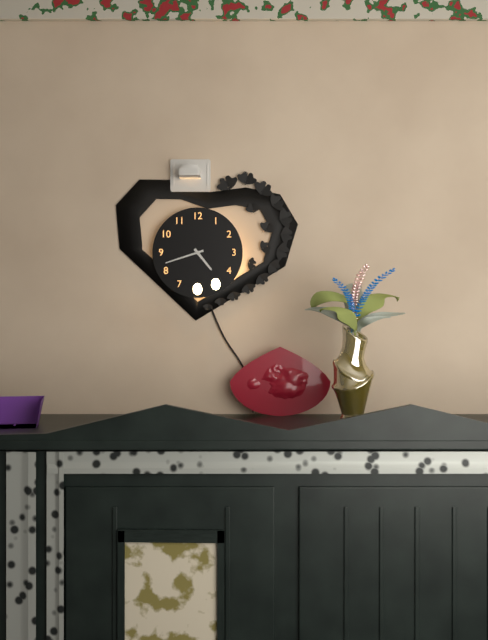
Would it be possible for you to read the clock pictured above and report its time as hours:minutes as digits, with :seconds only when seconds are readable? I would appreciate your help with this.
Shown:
4:42
